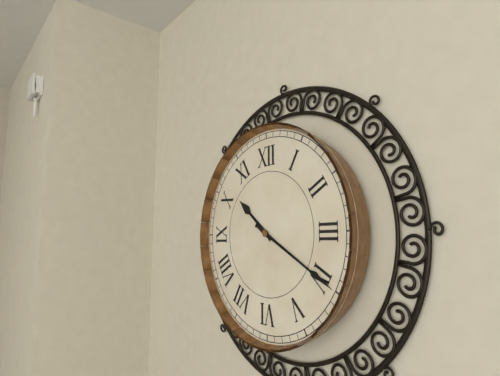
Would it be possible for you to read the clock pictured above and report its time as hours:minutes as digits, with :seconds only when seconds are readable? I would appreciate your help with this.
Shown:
10:20
